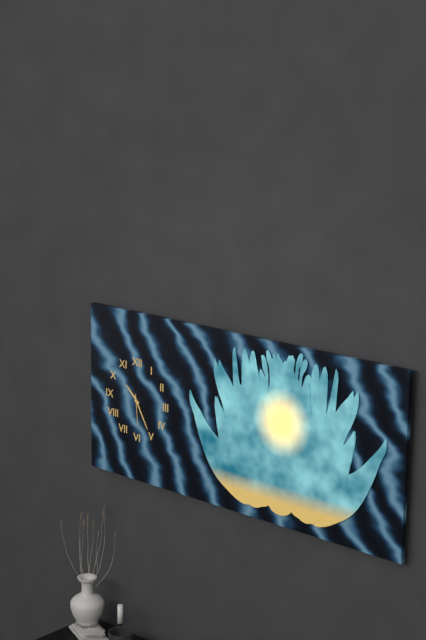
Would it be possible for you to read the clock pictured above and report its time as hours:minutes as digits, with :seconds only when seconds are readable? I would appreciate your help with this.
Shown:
10:25
